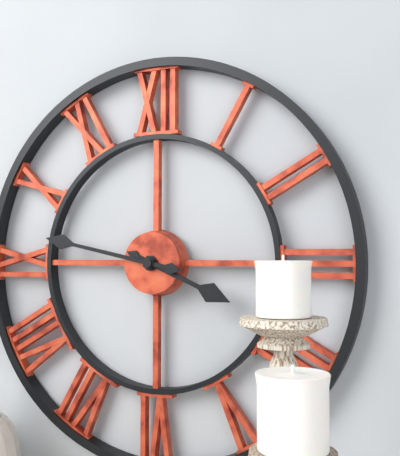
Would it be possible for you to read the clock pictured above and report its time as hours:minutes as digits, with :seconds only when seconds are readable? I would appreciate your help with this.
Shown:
3:47
